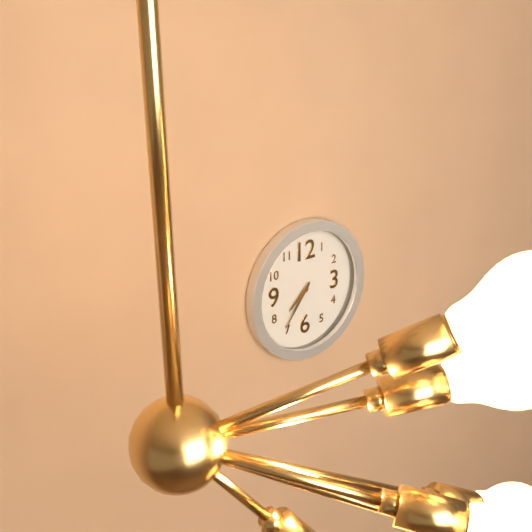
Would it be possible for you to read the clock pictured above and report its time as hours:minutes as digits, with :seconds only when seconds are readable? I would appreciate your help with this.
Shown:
7:36
